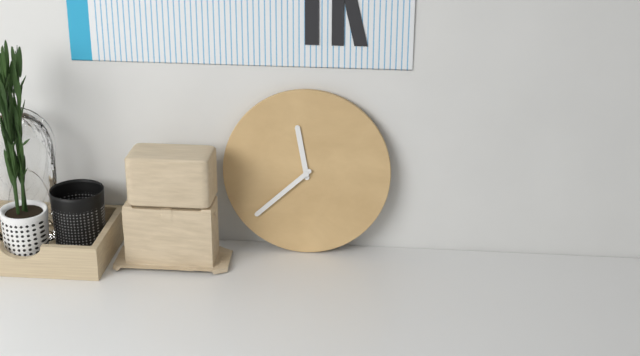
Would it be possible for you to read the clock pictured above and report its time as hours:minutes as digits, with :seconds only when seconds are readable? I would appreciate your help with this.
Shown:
11:38
